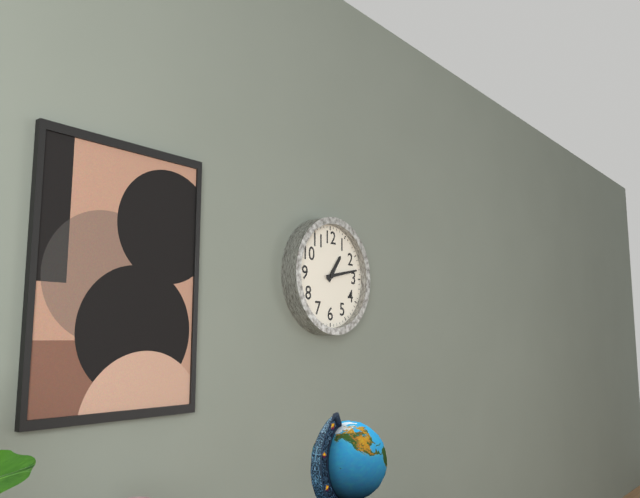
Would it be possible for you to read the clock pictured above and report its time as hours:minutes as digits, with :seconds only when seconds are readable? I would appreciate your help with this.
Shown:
1:13
